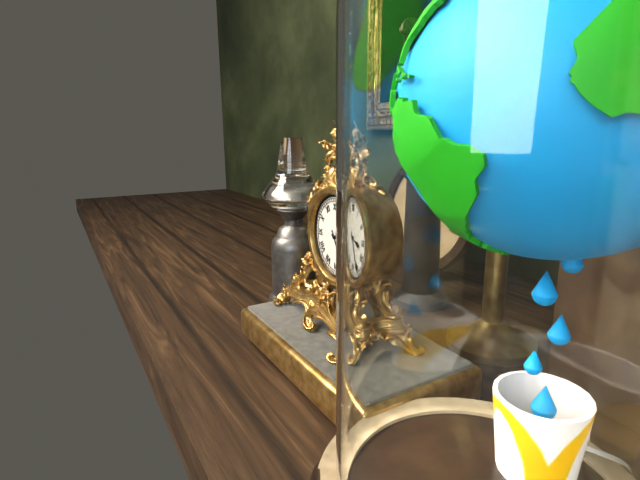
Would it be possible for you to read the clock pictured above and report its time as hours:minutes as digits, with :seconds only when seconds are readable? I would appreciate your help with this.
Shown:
3:25
